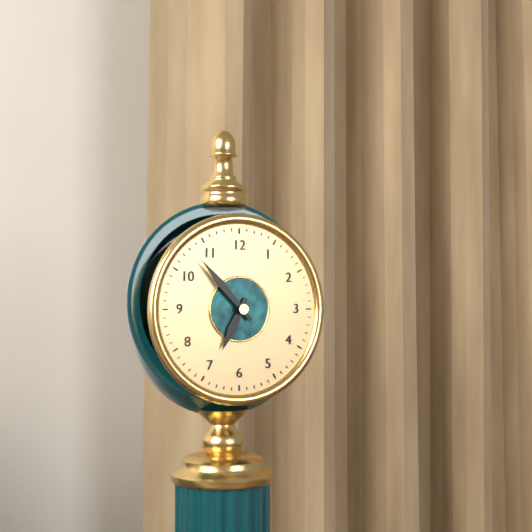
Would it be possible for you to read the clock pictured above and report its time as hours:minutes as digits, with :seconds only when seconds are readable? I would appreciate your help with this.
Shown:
6:53
